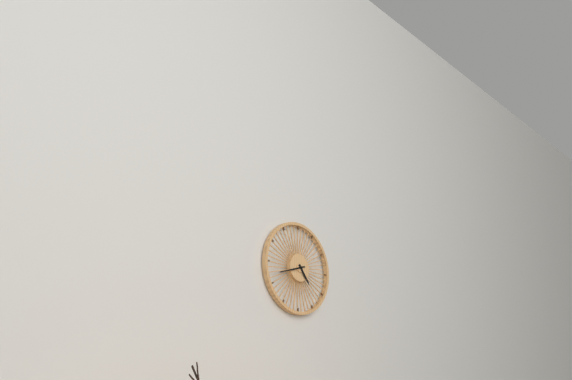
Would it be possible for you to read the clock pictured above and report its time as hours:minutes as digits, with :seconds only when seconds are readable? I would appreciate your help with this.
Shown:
4:42
